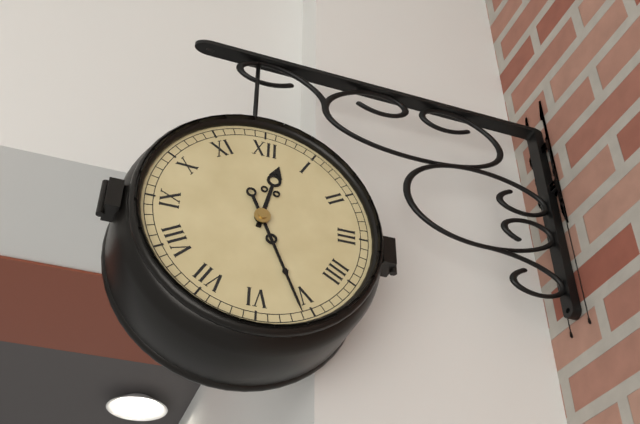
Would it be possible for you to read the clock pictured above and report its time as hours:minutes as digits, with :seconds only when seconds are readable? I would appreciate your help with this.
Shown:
12:26
